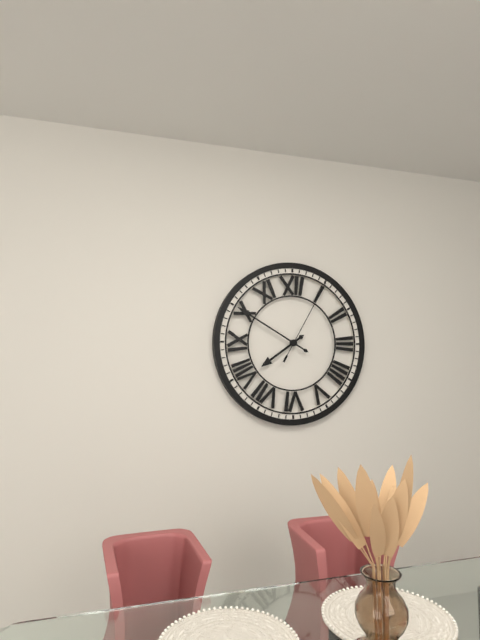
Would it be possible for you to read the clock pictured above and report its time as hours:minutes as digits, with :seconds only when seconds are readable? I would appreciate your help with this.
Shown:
7:50:05
